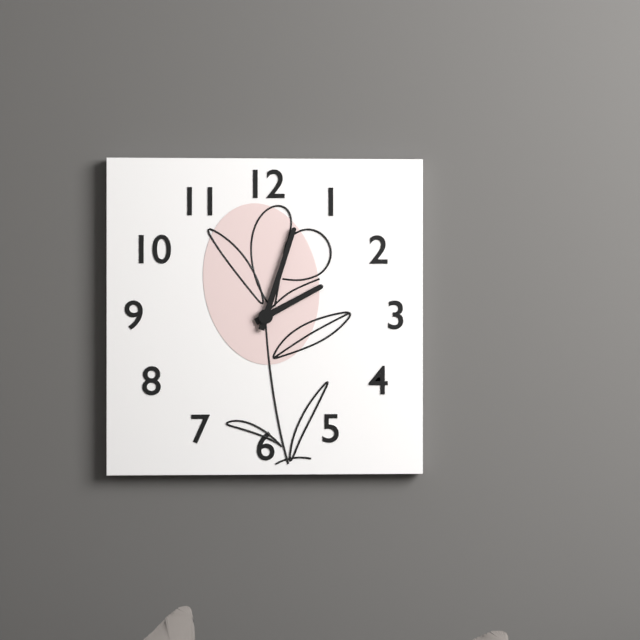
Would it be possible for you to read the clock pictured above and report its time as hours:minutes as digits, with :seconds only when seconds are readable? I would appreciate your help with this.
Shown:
2:03
